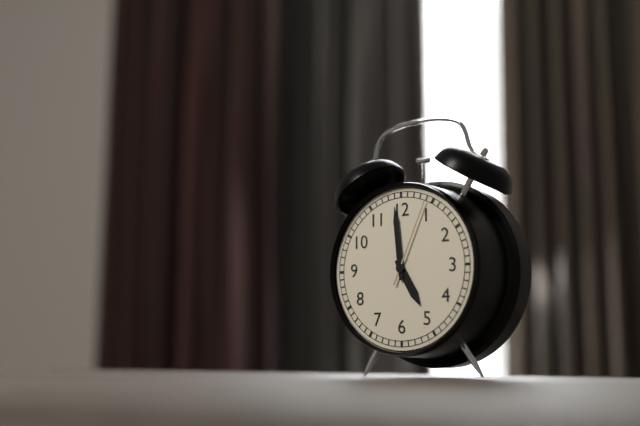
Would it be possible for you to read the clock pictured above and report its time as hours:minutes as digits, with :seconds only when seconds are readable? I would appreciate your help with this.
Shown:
4:59:04
